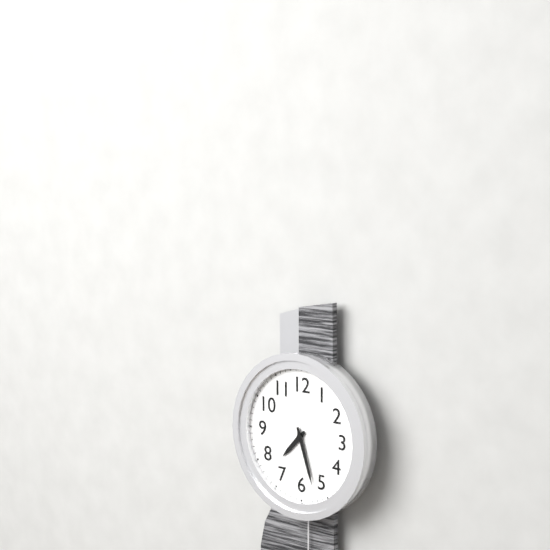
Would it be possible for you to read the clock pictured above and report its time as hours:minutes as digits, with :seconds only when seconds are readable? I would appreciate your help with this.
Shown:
7:27
